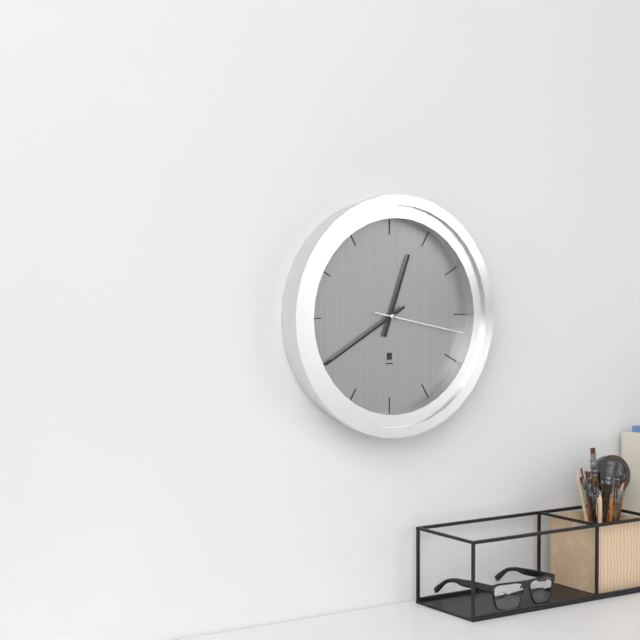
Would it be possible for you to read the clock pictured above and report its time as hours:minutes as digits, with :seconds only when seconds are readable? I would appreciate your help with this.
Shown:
12:40:17
